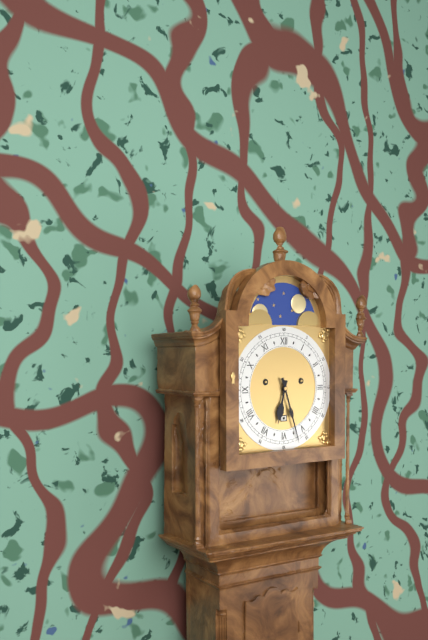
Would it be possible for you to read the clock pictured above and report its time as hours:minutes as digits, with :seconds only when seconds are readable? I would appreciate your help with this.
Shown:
6:27
